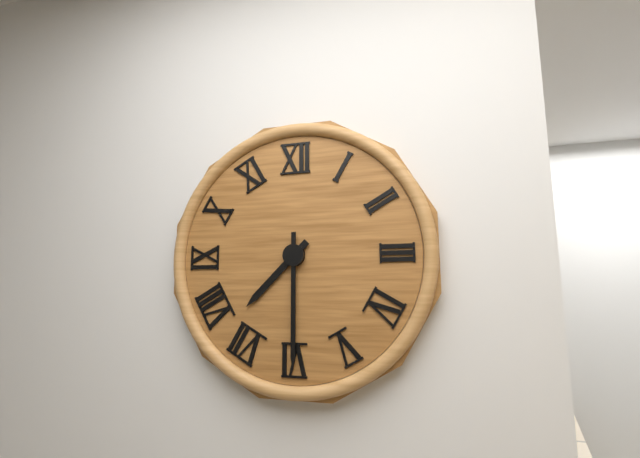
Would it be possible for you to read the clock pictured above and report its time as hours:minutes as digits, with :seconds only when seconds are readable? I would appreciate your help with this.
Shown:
7:30
